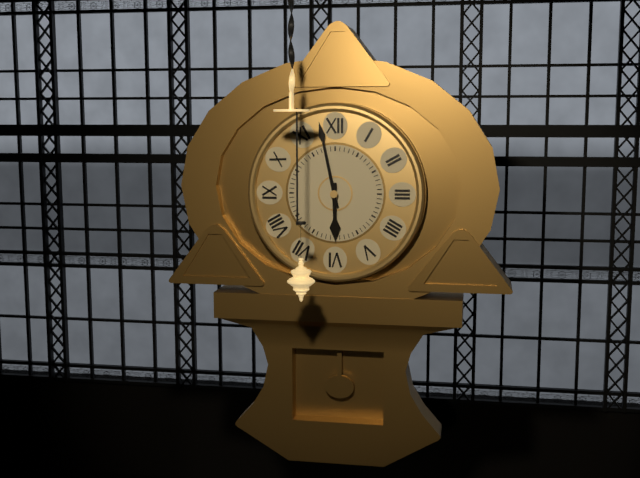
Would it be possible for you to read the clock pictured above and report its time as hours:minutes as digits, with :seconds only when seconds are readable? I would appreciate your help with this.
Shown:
5:58
